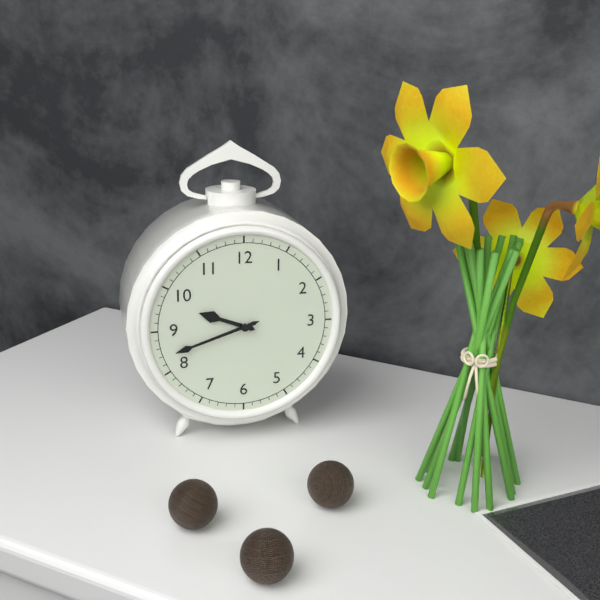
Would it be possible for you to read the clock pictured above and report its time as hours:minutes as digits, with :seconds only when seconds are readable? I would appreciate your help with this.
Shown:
9:42
